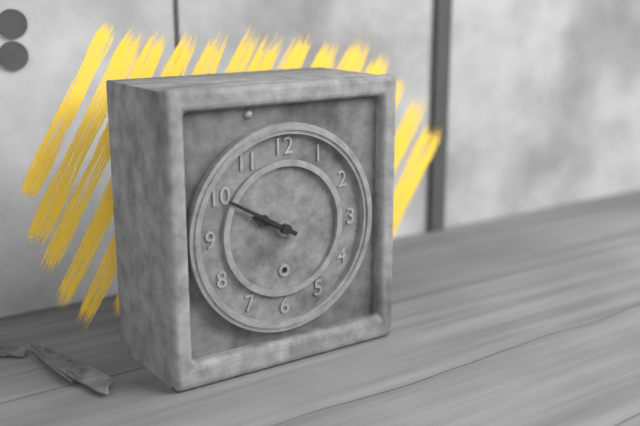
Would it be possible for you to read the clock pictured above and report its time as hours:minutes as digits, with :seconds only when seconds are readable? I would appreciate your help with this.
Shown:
9:50
